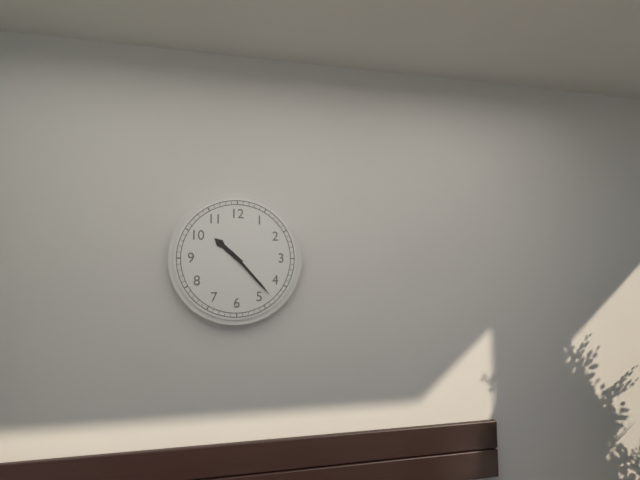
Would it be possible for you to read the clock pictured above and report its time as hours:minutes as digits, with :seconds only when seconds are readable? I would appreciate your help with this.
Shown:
10:23
